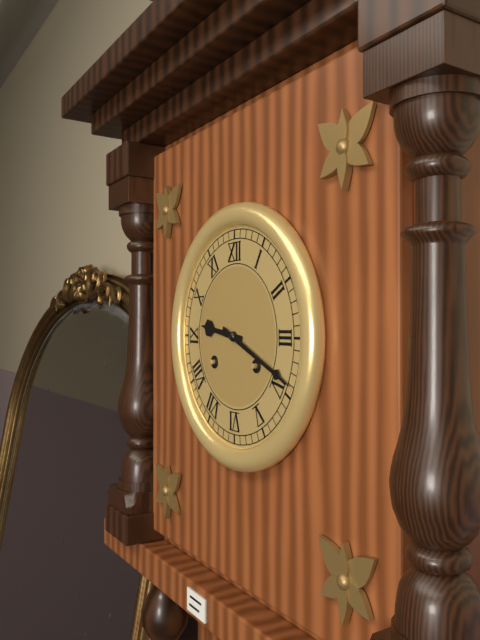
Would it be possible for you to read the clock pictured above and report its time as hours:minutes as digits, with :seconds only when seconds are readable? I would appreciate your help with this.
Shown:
9:19
